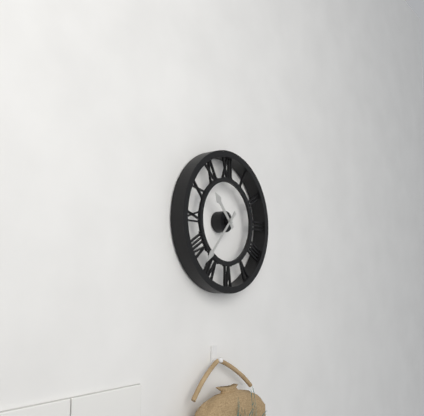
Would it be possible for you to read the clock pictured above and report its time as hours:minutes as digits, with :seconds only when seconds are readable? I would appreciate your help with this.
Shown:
10:37
